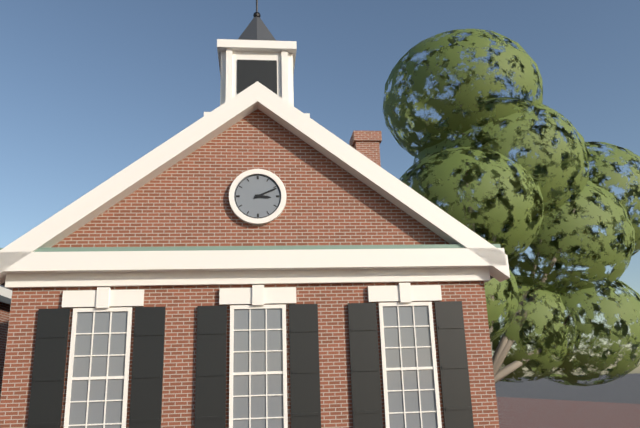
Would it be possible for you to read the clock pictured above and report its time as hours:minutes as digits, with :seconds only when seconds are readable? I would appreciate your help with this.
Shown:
3:11
